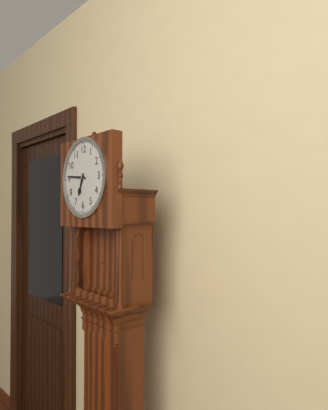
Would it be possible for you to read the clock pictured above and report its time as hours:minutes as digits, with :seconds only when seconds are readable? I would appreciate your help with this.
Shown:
6:46
